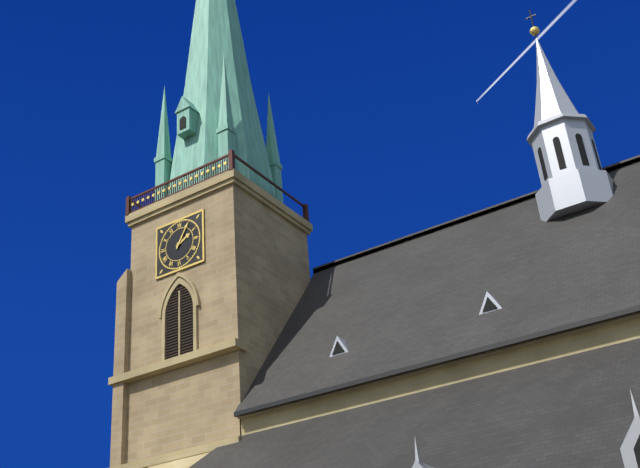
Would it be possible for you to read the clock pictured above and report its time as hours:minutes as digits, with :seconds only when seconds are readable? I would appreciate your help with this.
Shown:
2:05
